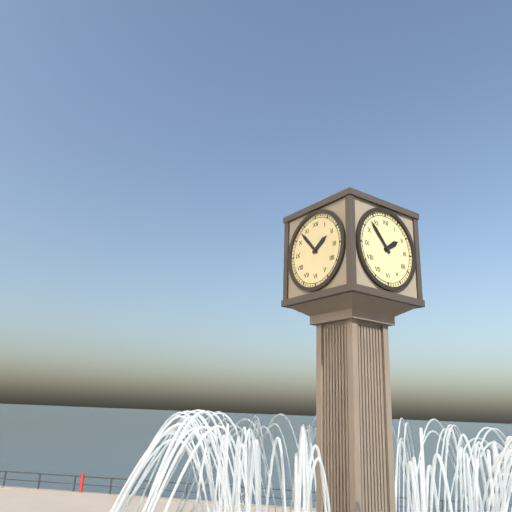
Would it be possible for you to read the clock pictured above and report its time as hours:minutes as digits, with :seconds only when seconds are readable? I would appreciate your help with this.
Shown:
1:53
